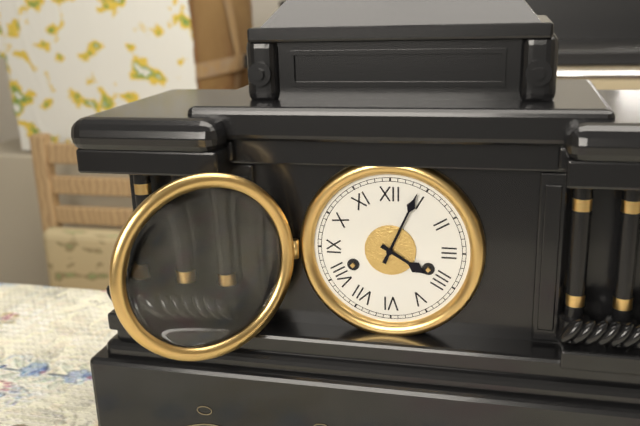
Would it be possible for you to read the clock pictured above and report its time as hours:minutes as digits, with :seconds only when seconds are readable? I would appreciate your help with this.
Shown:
4:04
